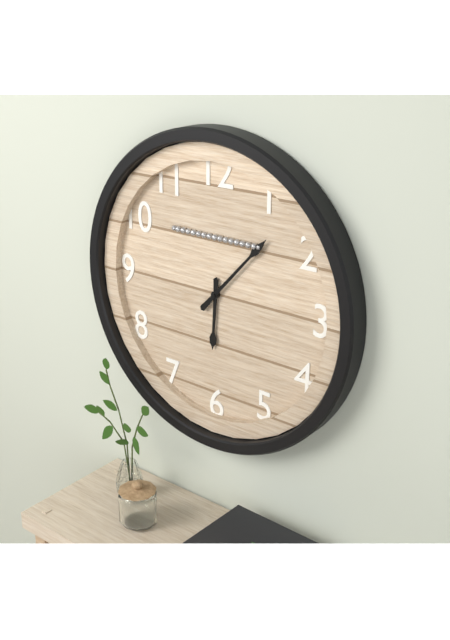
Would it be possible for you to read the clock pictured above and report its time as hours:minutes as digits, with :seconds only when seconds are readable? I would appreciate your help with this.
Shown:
6:07
